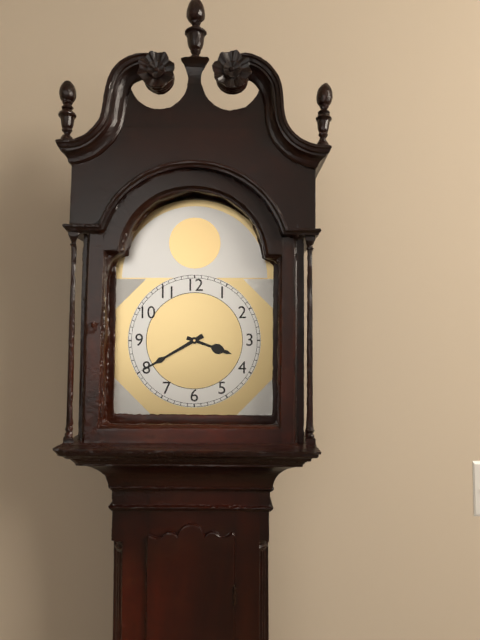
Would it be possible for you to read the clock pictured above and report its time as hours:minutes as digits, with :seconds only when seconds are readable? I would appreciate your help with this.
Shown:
3:40
